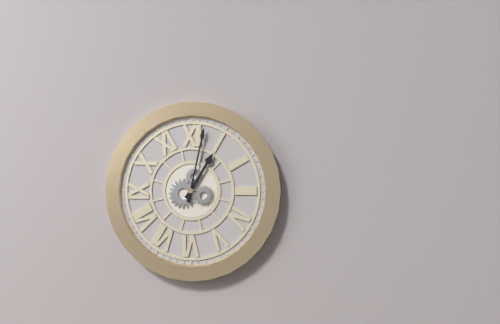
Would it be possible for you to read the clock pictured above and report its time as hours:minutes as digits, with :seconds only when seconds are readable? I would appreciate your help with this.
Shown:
1:02
